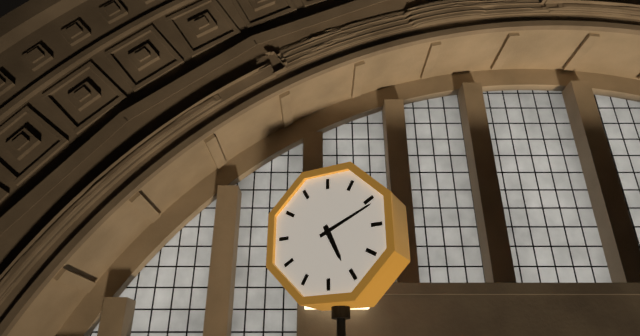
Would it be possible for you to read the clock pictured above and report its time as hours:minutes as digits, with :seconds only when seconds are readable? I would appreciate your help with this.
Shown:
5:11
